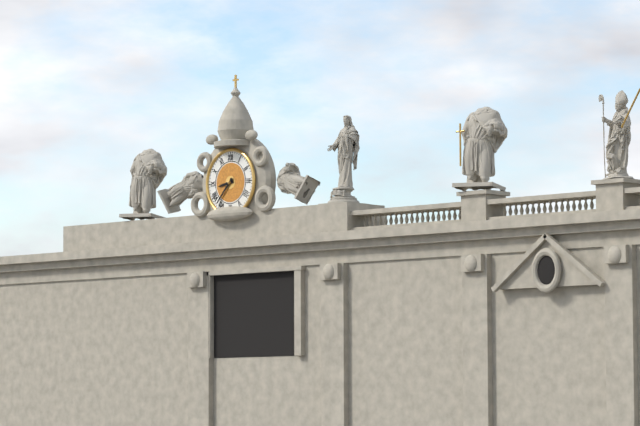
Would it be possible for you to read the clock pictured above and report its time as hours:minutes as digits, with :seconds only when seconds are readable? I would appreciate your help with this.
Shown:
8:37
